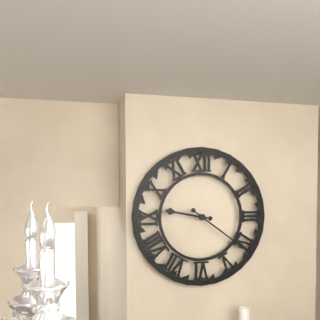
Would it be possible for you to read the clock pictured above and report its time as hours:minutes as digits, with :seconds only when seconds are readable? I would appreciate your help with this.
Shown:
9:21
